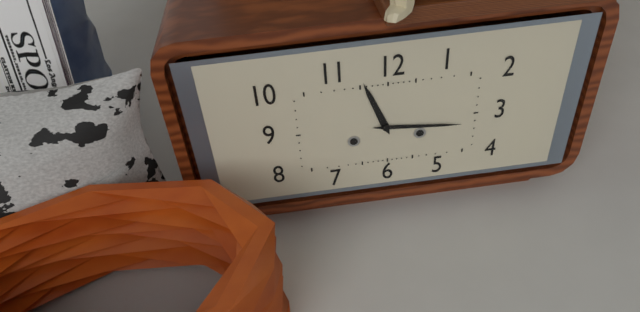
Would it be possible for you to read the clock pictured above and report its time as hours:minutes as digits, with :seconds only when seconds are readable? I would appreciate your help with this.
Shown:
11:16
